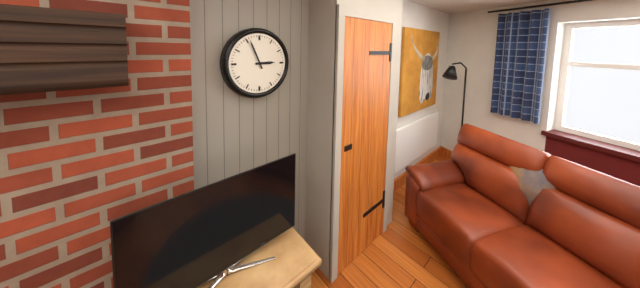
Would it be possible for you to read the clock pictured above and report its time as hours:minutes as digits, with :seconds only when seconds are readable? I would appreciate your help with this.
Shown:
2:56
